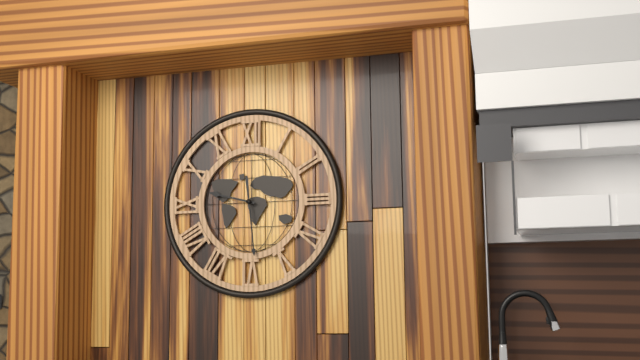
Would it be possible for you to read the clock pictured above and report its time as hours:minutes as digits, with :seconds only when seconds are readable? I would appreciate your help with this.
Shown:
9:29
